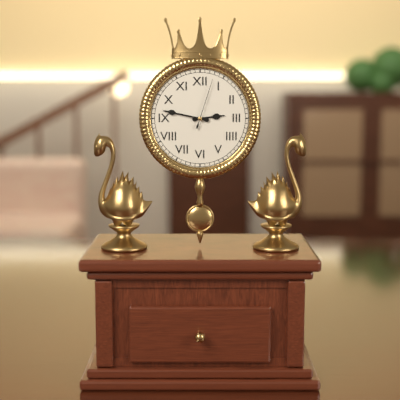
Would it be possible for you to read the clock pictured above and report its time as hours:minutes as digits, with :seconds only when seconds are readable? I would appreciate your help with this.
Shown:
2:47:03
